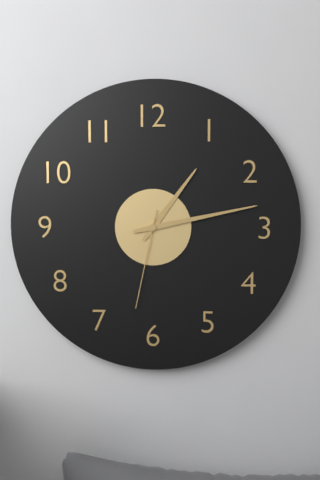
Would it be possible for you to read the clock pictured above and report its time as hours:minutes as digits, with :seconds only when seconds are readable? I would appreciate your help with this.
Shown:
1:13:32
